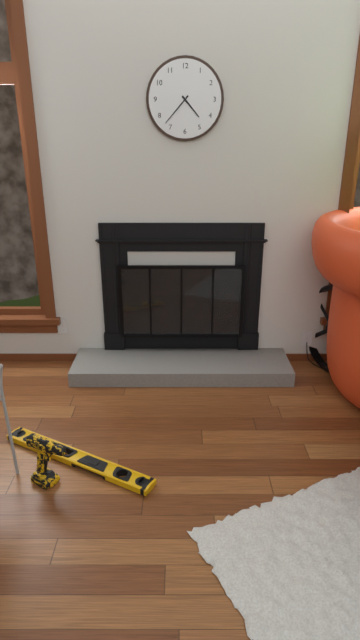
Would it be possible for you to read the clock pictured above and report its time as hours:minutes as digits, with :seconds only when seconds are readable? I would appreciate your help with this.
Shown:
4:37
